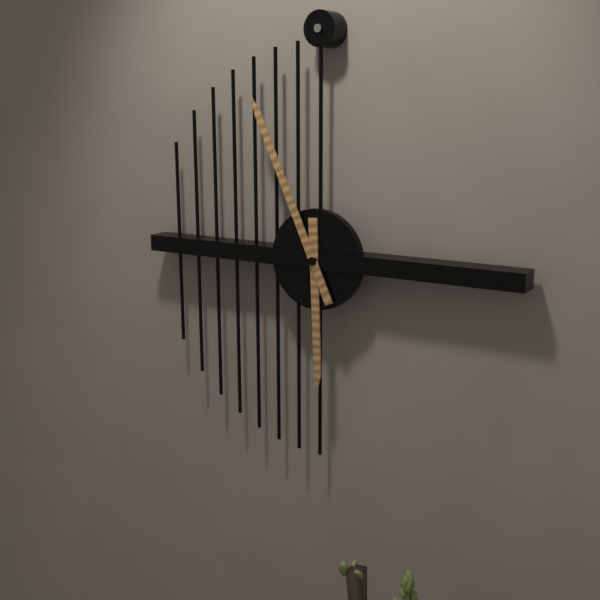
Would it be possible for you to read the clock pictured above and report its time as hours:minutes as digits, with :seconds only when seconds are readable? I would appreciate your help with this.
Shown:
5:56
